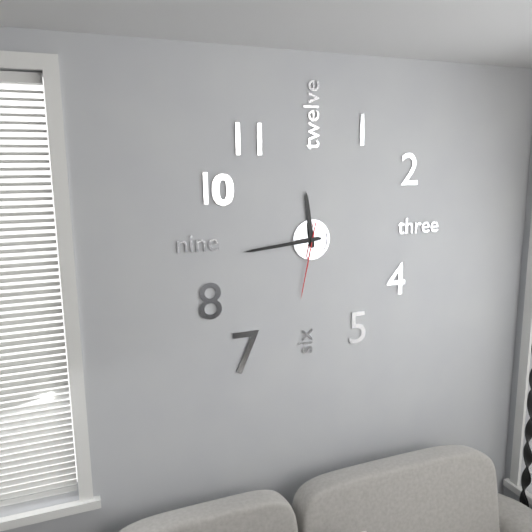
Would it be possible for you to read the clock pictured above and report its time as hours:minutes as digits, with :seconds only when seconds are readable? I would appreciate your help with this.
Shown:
11:44:32
